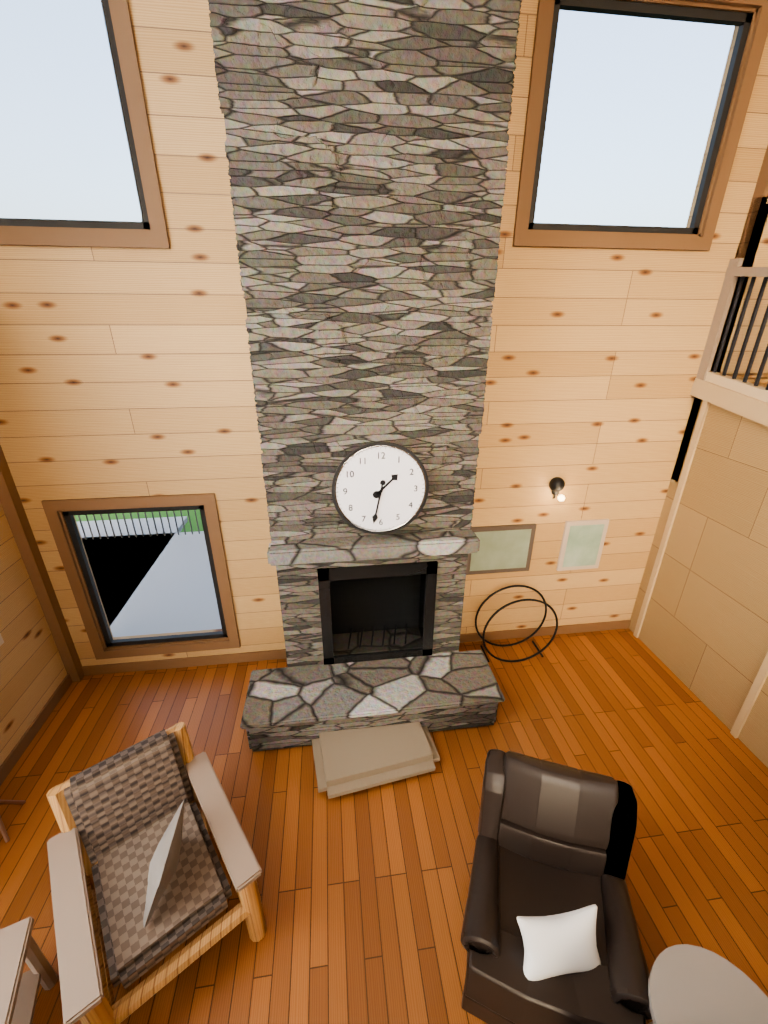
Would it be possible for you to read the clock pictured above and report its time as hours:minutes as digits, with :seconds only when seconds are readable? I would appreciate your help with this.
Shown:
1:32
